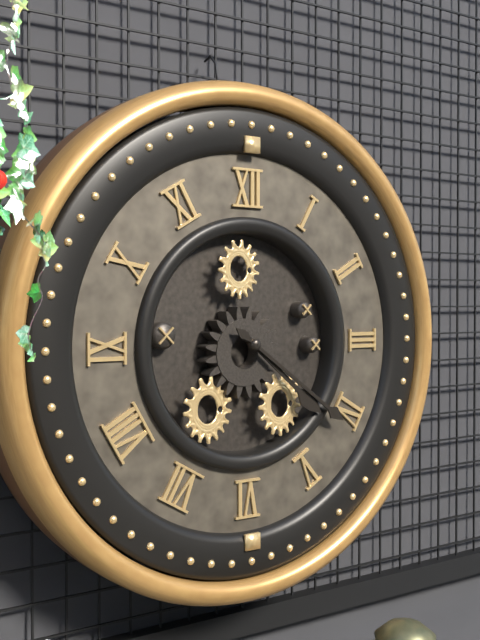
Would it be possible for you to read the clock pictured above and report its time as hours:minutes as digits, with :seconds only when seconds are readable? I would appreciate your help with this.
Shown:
4:21
